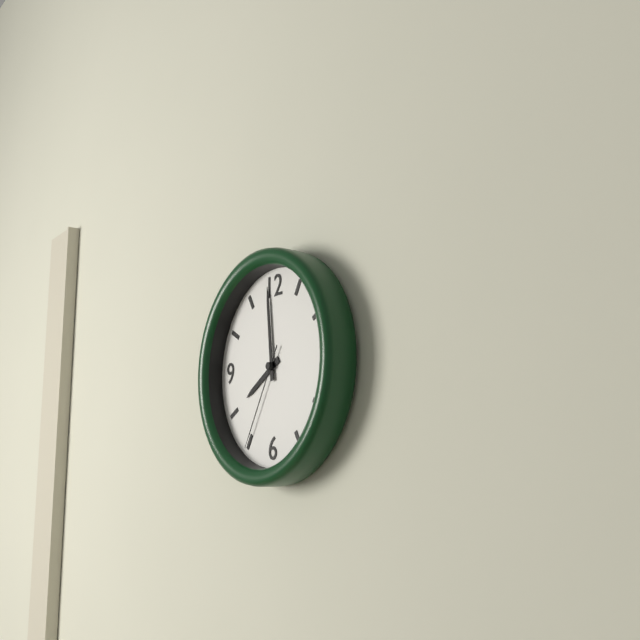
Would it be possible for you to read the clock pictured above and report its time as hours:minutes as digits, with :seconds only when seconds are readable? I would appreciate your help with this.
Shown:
7:59:35
